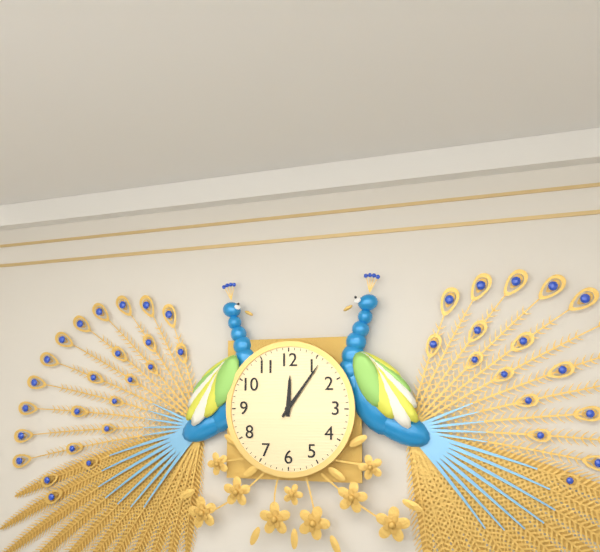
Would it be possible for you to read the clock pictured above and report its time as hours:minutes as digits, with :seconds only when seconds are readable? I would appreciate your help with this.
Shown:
12:06
